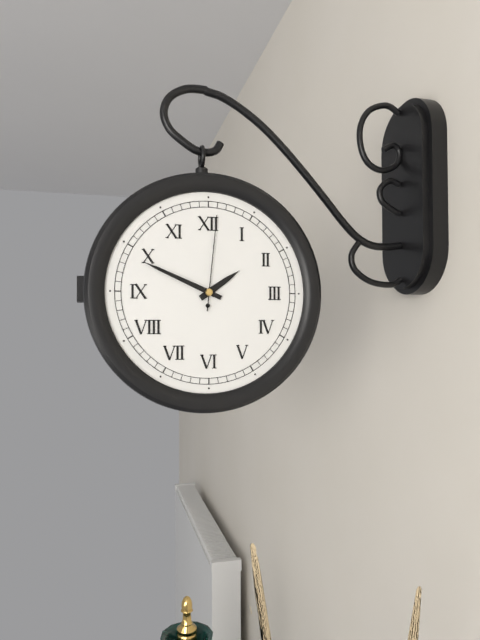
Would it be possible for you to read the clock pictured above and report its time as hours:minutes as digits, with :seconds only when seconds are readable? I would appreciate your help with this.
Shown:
1:49:01
